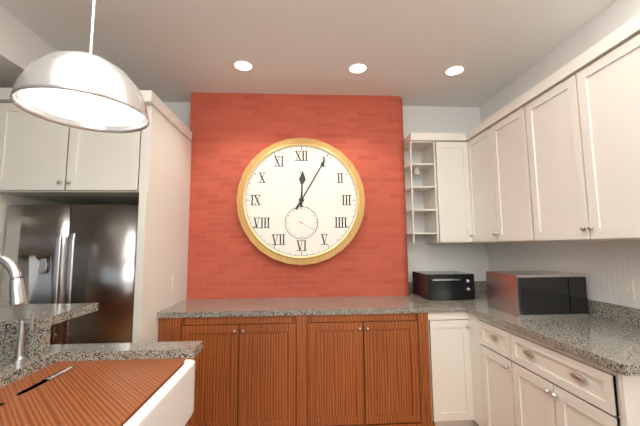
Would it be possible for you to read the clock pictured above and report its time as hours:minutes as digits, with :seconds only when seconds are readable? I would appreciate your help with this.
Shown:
12:05
